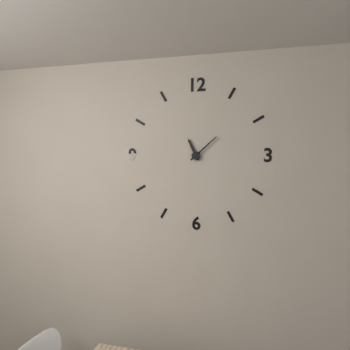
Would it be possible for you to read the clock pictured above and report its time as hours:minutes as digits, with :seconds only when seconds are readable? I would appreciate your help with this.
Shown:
11:08
